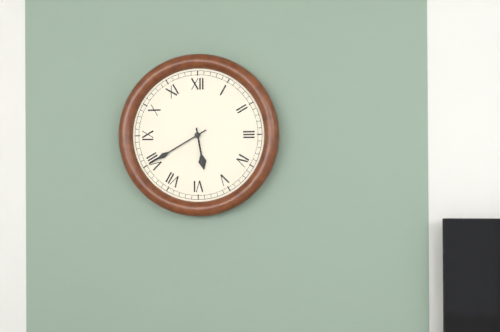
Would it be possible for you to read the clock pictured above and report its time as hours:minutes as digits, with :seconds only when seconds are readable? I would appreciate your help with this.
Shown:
5:40
